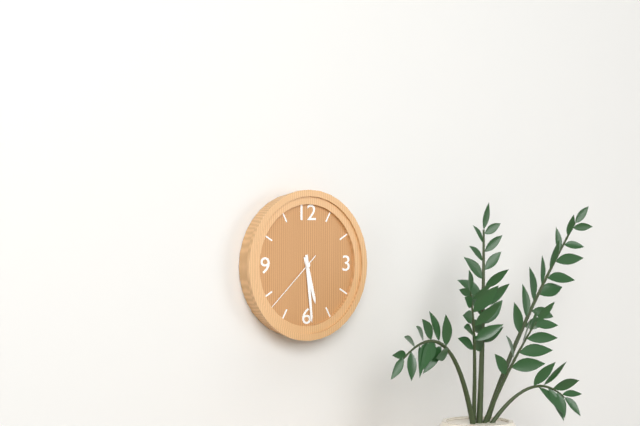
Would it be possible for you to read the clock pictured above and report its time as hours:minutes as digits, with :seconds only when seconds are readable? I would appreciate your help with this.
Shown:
5:29:38
